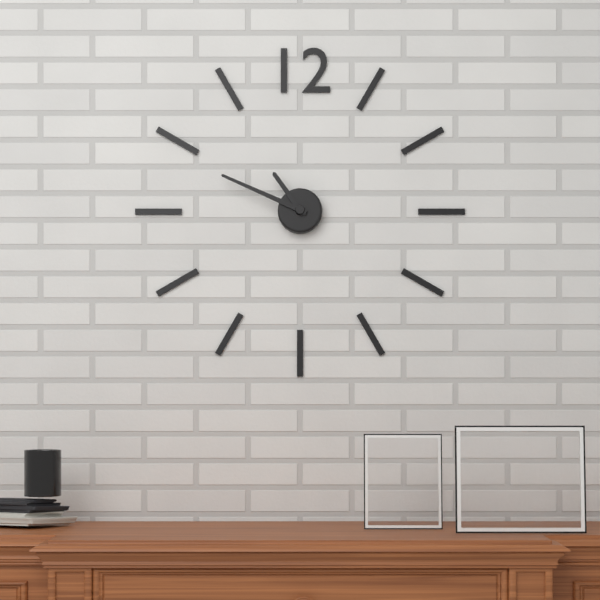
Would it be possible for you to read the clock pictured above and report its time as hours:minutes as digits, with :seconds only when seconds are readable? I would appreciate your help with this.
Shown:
10:49
